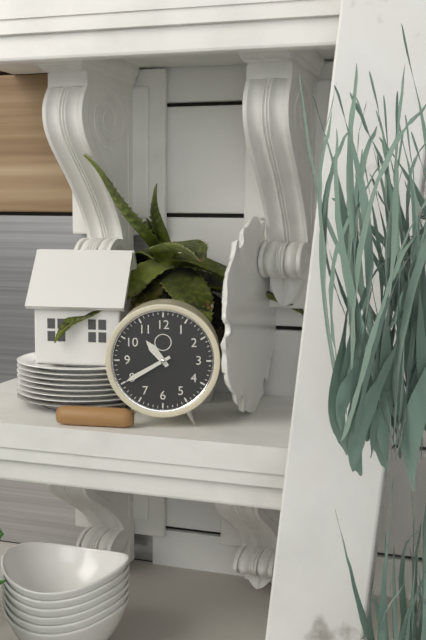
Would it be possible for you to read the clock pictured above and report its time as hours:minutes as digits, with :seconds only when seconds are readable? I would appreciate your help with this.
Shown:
10:40
